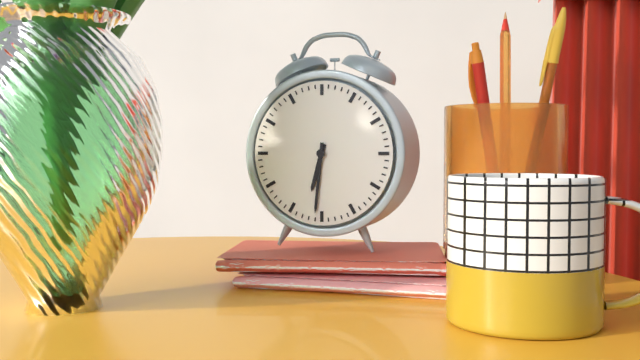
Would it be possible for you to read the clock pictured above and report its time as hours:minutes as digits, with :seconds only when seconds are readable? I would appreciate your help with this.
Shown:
6:31
